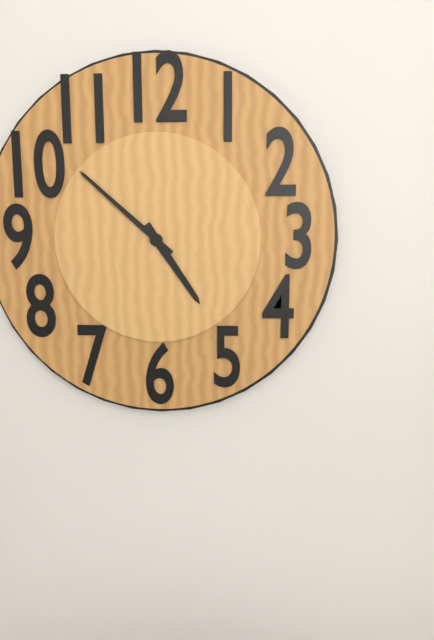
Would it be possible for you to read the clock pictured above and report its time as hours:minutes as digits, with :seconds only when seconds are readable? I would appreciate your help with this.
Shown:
4:52
